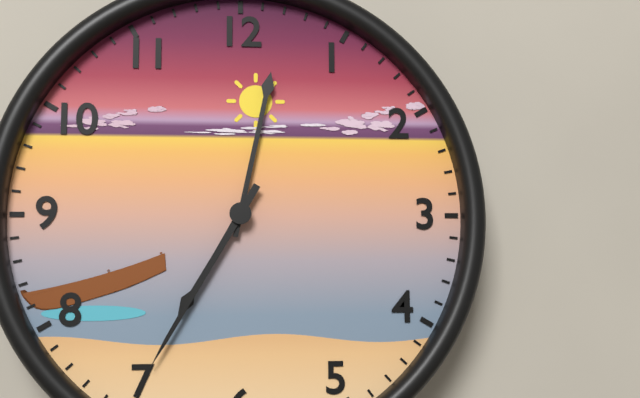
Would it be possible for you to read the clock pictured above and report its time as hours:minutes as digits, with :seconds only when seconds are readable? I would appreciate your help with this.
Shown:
7:02:35
